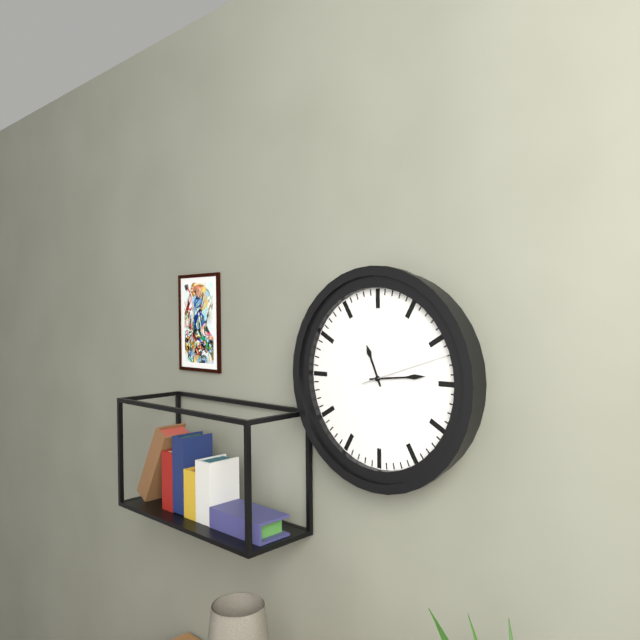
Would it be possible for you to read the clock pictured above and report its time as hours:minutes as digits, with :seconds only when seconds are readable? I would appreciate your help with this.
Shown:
11:14:12
